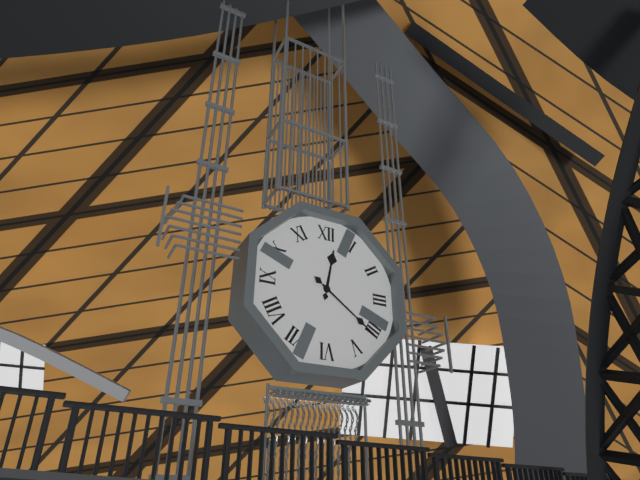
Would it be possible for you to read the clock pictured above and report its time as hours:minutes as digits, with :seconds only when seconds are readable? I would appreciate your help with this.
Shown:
12:21
